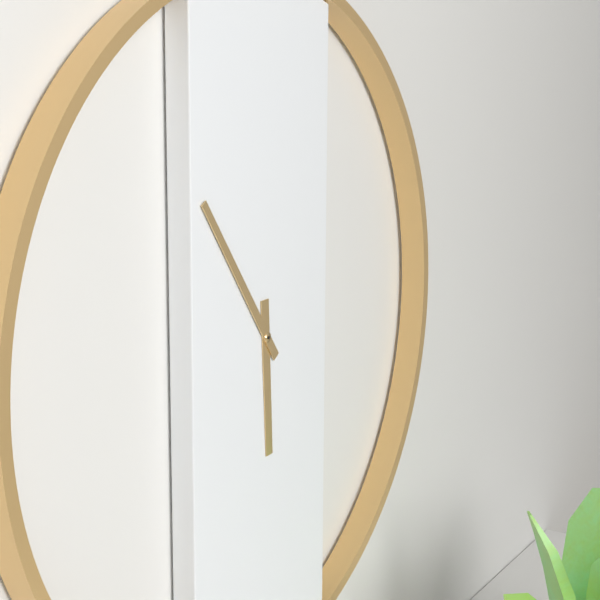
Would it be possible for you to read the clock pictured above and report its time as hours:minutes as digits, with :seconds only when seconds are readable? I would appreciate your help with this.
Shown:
5:54
